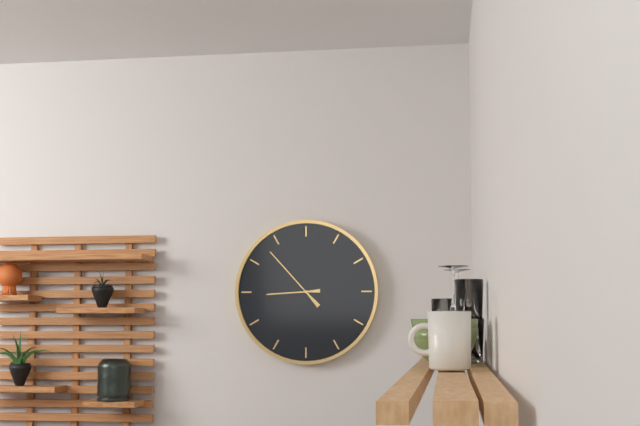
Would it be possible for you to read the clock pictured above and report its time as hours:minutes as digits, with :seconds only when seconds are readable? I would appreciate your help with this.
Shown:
8:53
